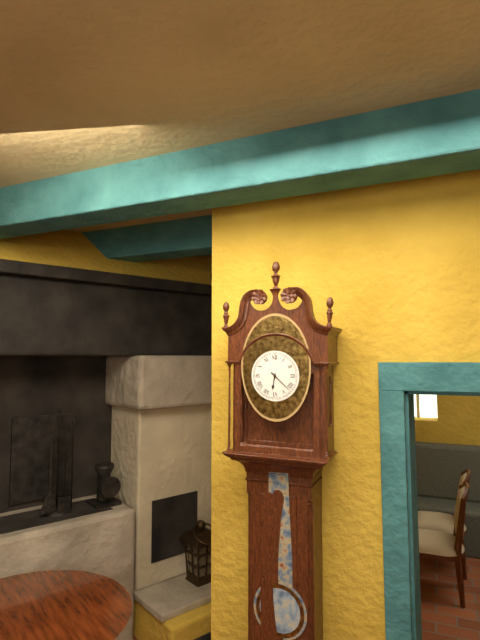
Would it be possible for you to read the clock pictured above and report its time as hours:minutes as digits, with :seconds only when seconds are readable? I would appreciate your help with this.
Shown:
6:22
